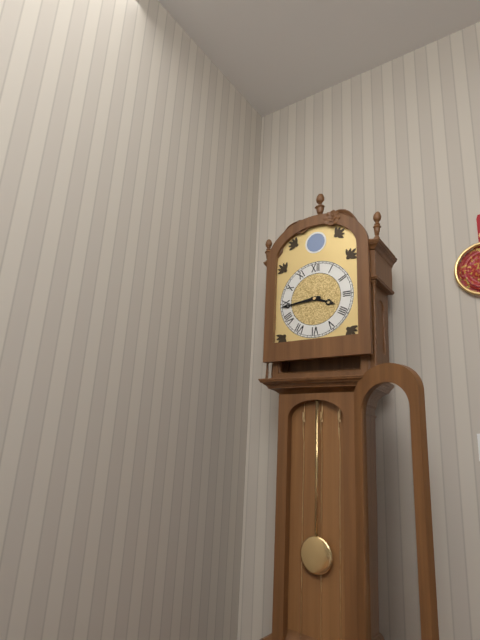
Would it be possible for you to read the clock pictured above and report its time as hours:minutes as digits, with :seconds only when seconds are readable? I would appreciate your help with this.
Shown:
3:44
